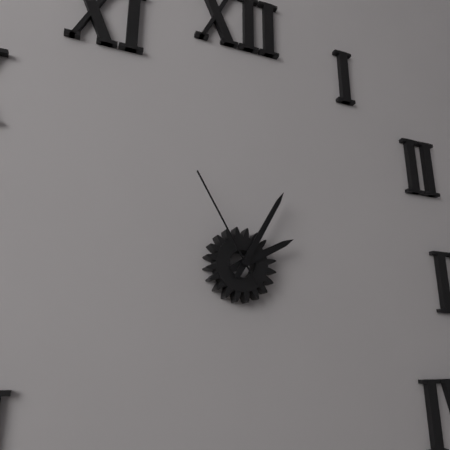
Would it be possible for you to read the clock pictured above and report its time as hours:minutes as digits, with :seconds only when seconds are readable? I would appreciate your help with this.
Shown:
2:05:55
